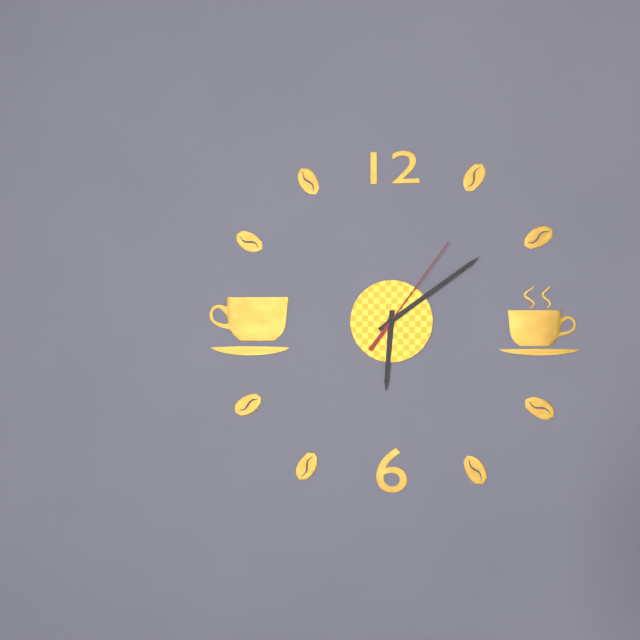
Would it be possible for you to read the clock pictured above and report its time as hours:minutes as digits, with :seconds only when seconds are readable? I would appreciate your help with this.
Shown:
6:09:06
